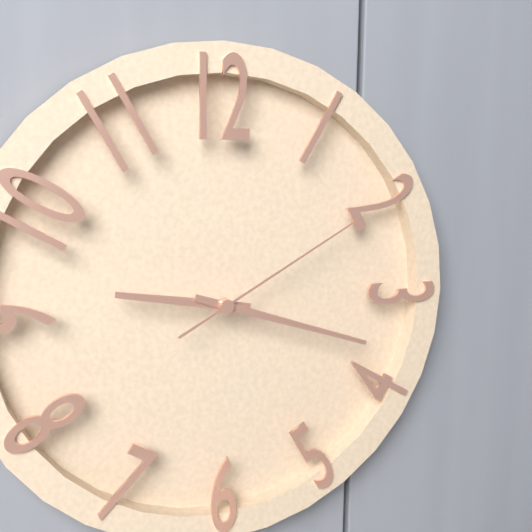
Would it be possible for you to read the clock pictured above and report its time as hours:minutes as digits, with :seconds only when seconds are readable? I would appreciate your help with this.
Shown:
9:18:10
